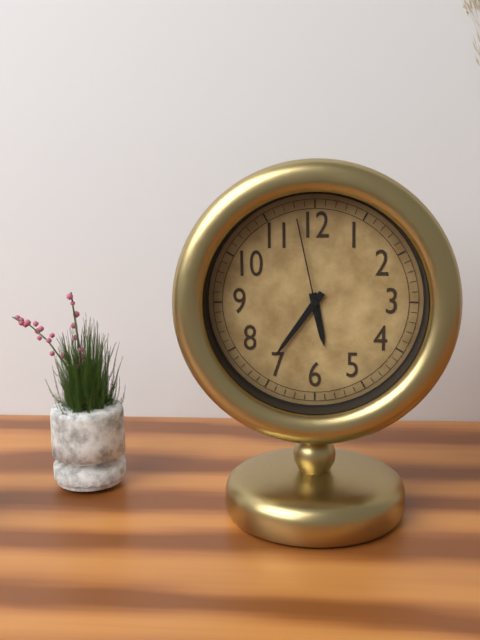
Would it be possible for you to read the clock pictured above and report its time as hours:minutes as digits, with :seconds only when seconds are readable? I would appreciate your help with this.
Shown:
5:36:58
